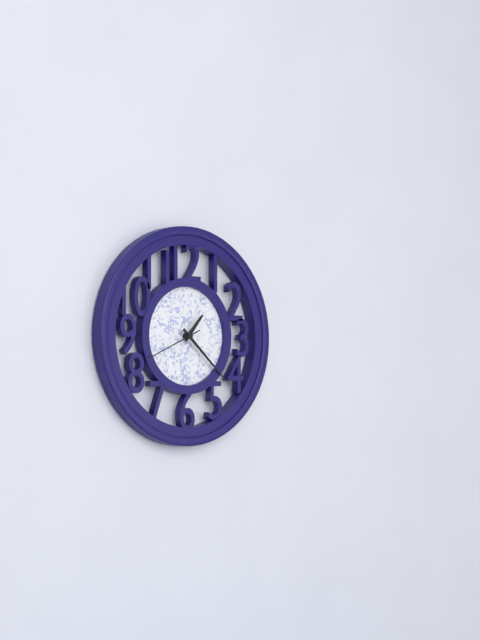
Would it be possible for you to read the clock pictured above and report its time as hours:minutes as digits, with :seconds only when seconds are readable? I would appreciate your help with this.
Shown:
1:22
